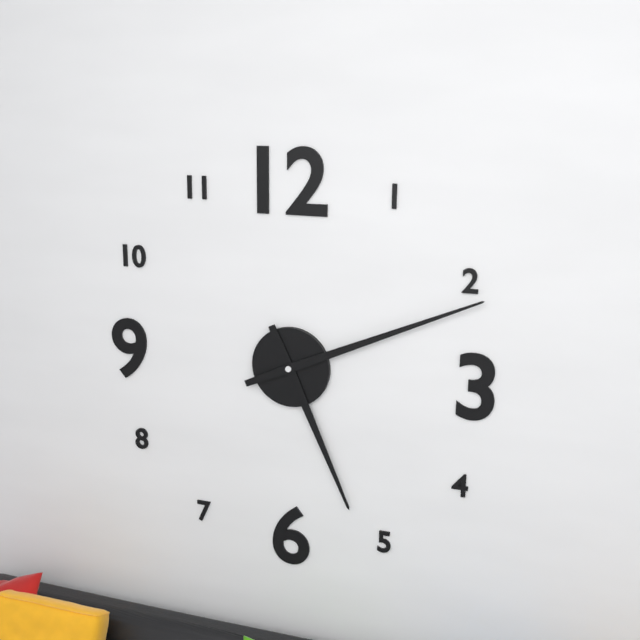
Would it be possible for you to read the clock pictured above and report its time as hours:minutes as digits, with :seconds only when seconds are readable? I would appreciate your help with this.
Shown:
5:11
